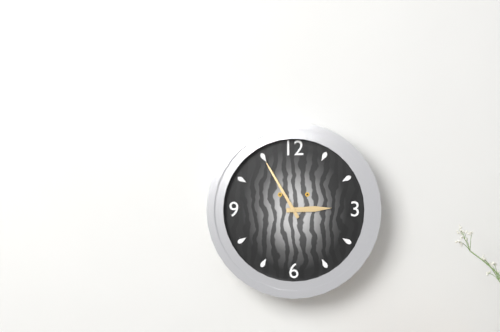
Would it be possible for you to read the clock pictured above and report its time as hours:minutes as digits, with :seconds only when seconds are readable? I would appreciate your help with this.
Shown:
2:55
